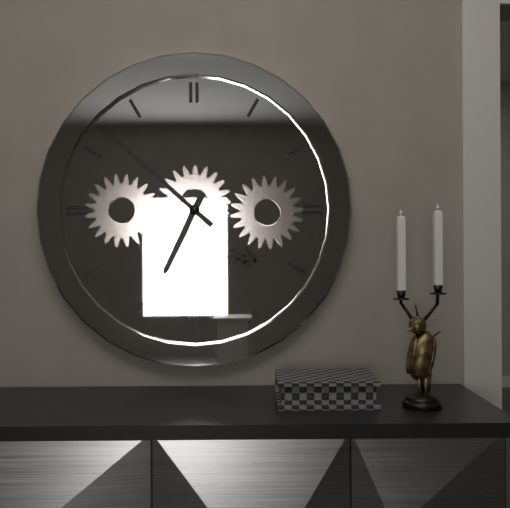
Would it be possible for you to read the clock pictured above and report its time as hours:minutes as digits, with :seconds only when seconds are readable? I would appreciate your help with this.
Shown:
6:52
